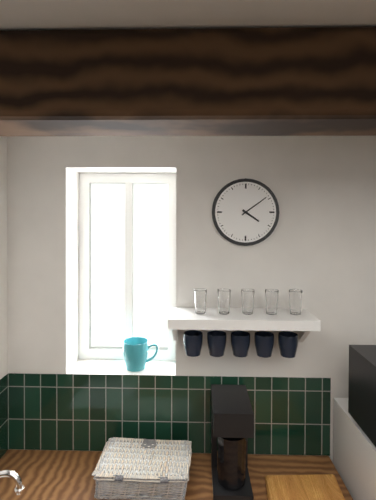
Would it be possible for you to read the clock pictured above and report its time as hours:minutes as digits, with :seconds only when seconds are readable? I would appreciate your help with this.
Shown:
4:09
